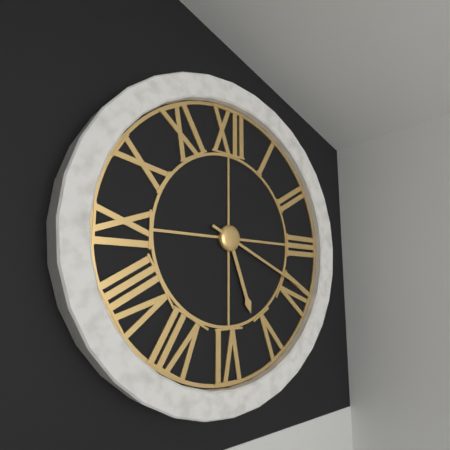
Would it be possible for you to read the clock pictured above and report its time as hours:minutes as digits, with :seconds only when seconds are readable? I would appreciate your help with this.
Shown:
5:19
